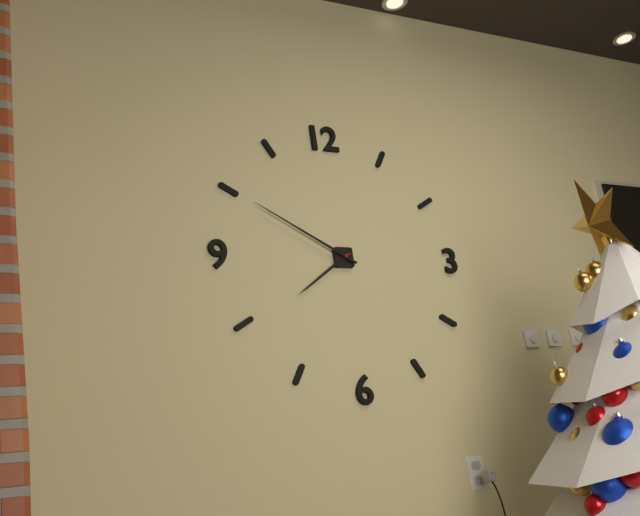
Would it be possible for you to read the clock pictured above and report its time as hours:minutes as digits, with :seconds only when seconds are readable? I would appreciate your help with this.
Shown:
7:50
